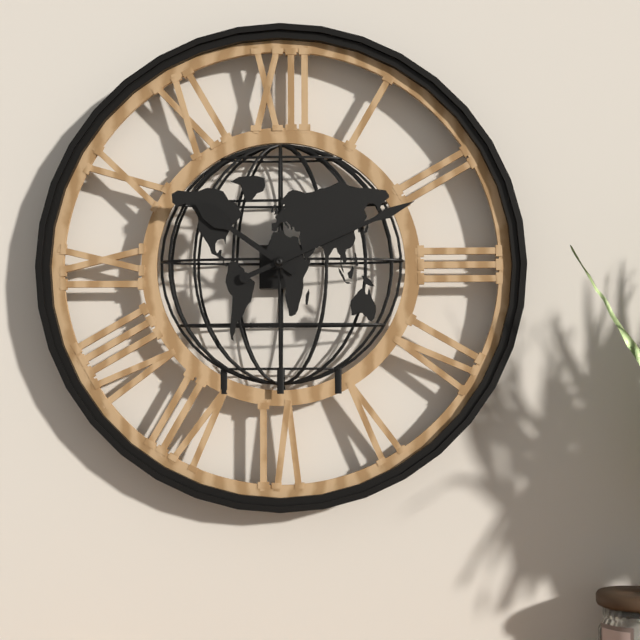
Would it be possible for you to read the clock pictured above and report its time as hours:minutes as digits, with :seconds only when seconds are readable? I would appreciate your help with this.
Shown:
10:11
